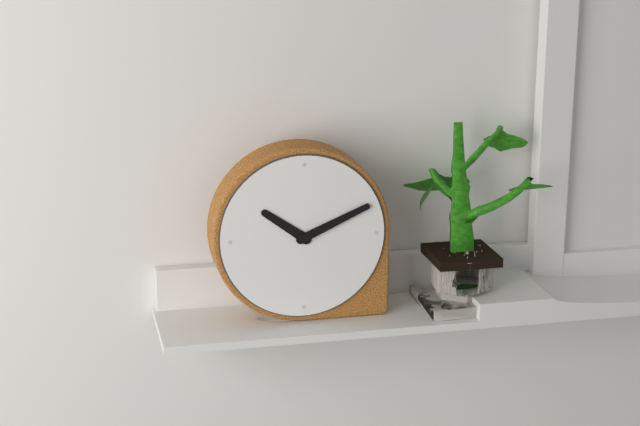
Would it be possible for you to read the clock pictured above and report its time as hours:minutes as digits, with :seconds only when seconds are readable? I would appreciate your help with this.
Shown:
10:11
